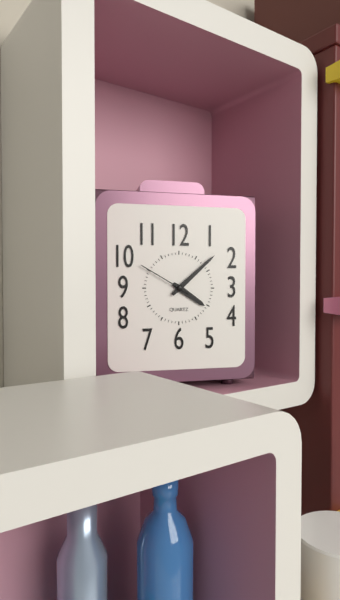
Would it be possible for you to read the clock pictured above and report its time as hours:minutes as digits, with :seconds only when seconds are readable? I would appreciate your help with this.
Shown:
4:08:50
